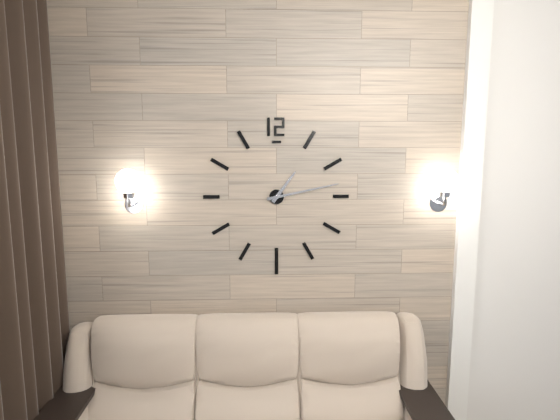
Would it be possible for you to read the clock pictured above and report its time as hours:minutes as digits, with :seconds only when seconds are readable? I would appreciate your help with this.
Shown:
1:13
